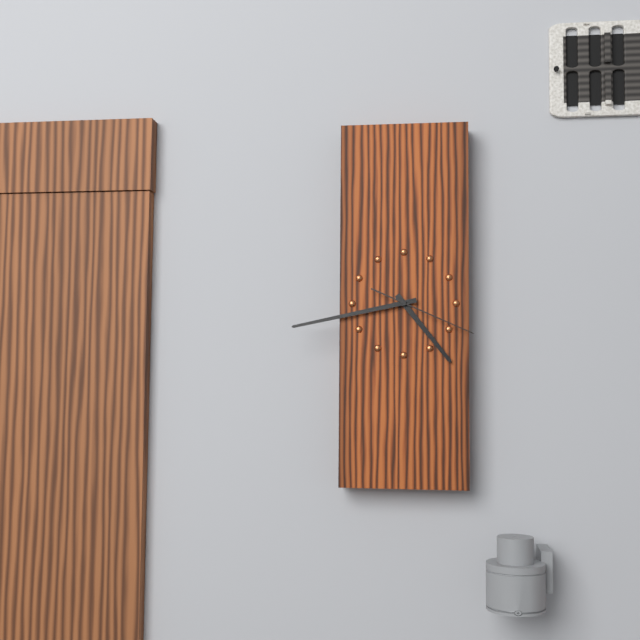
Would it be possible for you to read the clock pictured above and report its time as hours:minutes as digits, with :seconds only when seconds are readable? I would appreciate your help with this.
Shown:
4:43:19
